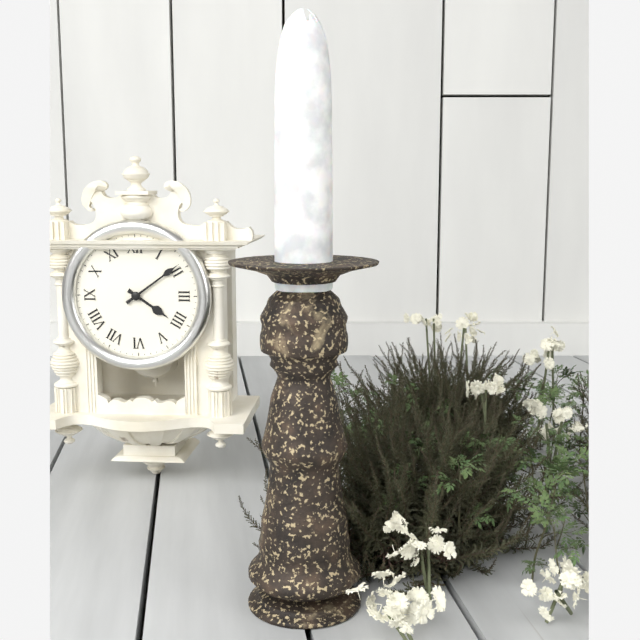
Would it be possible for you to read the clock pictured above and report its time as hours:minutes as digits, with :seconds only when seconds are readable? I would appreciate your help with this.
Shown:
4:09
